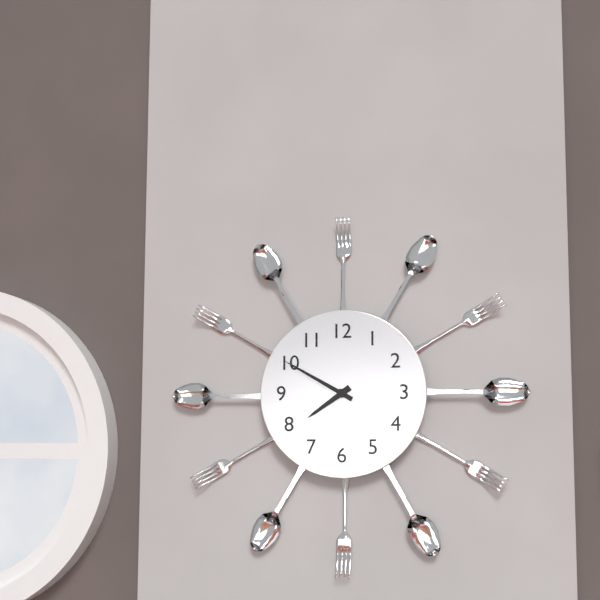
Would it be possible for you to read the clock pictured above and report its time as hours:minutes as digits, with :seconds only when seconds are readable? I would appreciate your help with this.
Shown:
7:50
